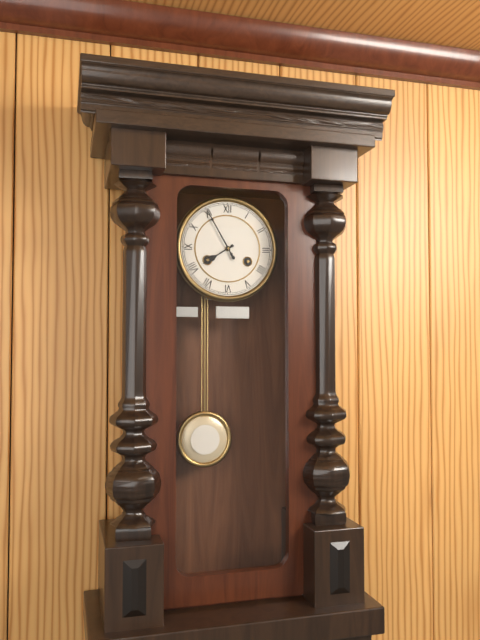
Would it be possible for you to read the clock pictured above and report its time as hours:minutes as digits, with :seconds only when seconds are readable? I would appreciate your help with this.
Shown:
7:55
